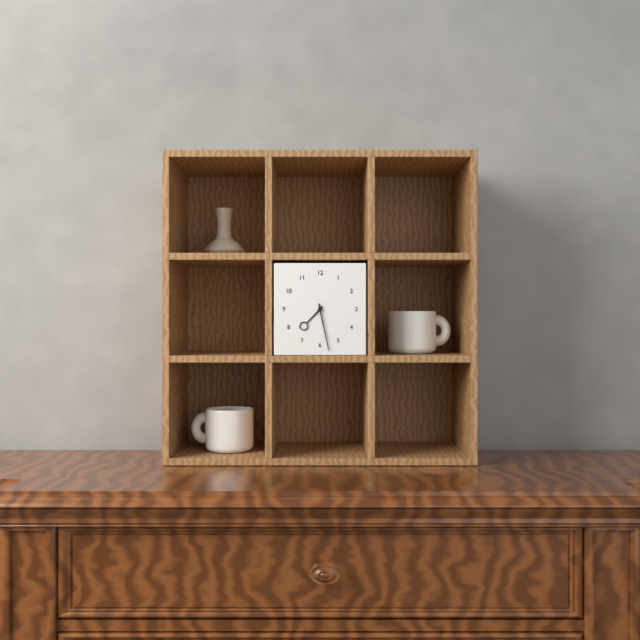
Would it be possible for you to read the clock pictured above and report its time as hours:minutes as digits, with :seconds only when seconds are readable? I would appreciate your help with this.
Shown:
7:28
